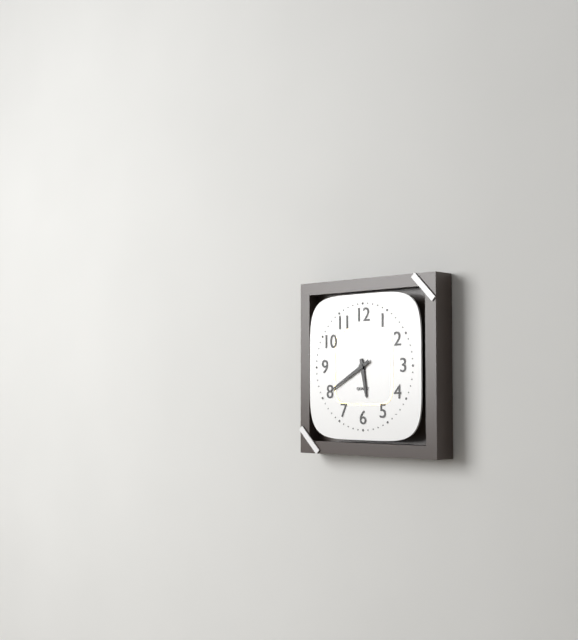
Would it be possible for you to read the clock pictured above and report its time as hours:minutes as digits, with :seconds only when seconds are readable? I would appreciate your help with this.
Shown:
5:40
